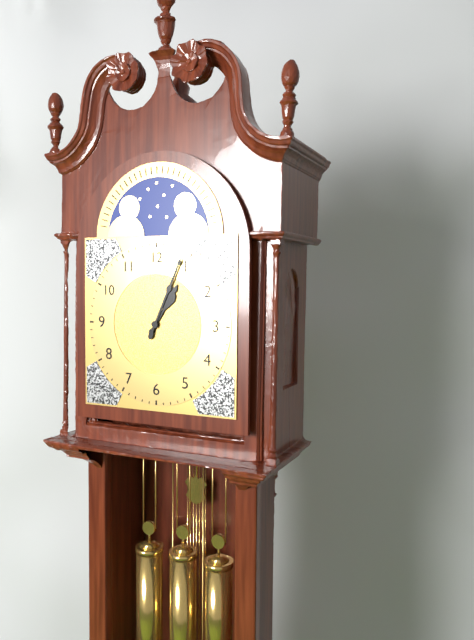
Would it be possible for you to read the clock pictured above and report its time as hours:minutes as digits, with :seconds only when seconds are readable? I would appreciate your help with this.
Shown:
1:04
